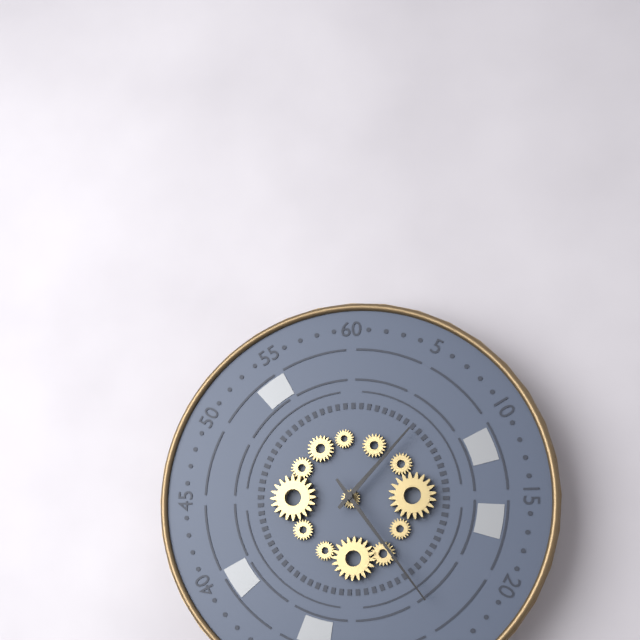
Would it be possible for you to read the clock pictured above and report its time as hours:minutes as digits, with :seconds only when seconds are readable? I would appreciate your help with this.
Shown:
1:24
